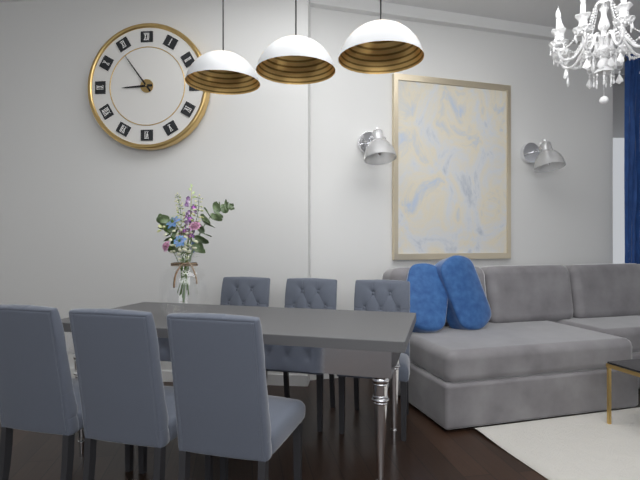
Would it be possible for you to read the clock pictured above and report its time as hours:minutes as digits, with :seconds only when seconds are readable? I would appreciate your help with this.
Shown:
8:54
